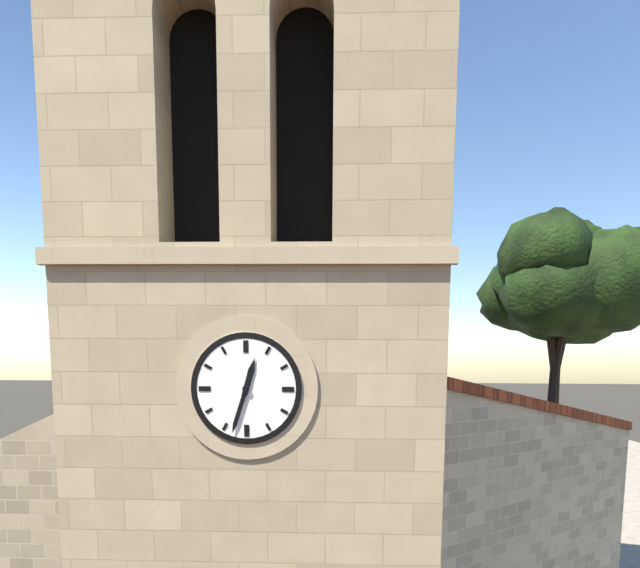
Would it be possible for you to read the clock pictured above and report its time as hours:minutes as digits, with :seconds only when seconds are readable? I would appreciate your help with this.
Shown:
12:33
